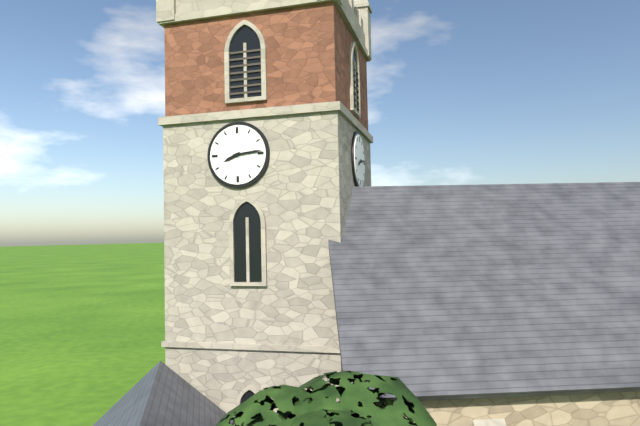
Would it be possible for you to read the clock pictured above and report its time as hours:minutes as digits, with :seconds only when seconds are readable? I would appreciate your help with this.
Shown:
8:14
